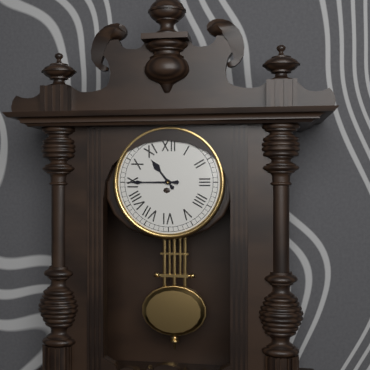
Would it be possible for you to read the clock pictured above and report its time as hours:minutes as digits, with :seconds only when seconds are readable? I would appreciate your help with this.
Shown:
10:45
